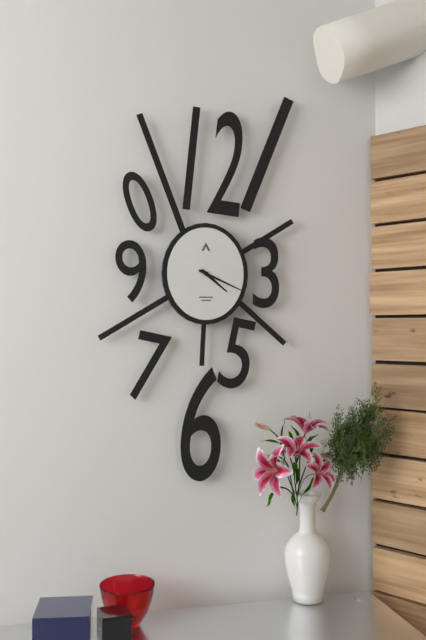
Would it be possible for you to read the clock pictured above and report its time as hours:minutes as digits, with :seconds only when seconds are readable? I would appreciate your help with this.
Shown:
4:19
